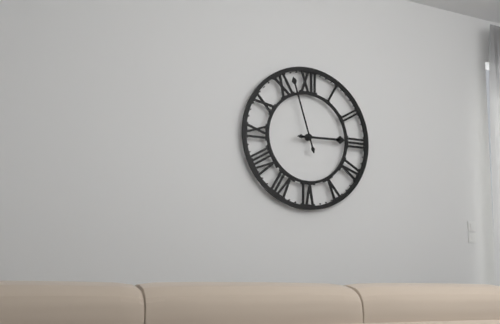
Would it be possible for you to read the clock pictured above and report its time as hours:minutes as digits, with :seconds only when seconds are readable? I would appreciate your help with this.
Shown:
2:57
